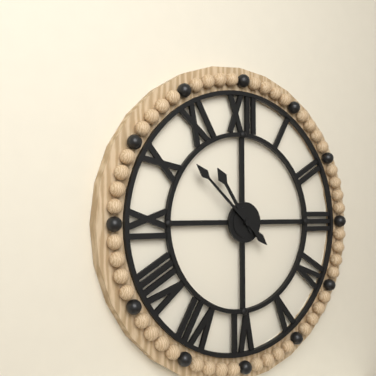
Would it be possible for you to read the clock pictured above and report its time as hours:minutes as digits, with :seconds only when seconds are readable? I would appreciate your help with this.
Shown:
10:52
